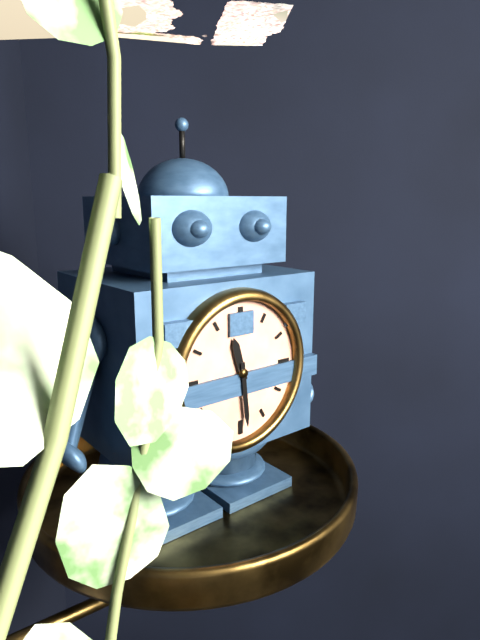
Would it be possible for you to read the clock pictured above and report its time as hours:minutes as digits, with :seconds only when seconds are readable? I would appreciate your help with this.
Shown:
11:29
